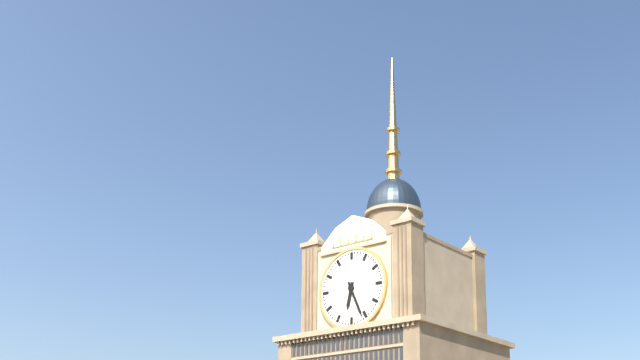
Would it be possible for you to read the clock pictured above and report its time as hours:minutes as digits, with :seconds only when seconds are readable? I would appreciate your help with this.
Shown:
6:26
